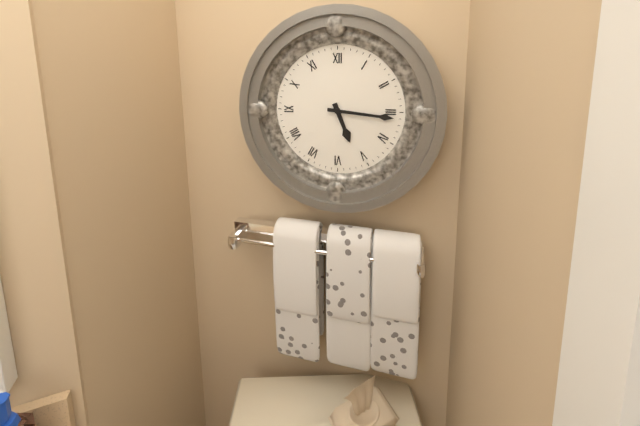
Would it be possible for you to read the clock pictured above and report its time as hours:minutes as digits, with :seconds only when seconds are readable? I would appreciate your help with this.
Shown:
5:16
